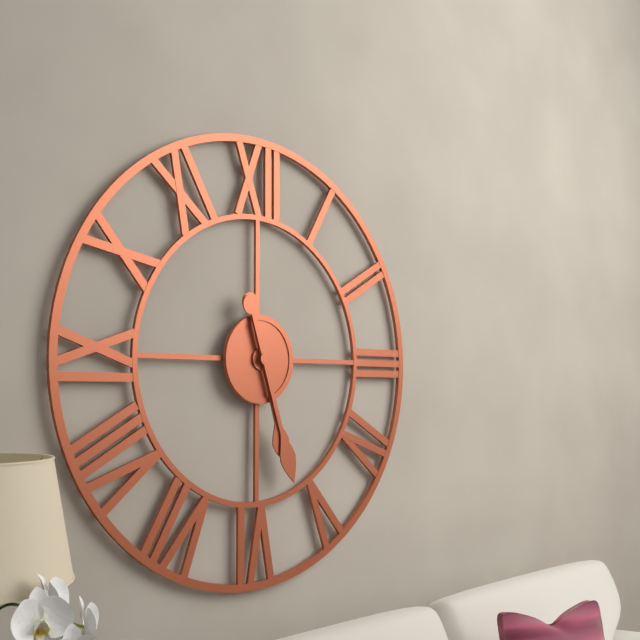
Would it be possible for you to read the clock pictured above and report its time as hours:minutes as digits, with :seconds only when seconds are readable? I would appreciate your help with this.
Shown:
5:27
